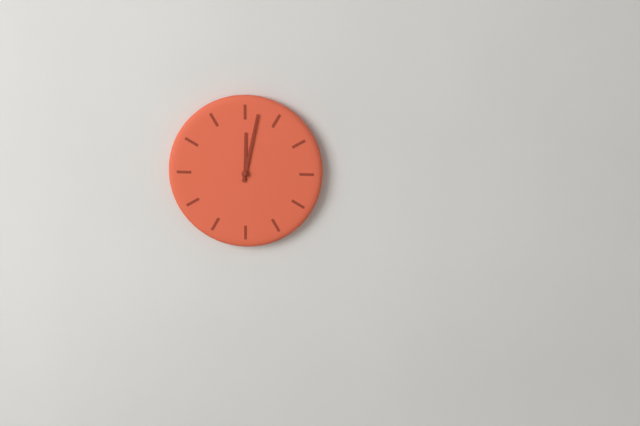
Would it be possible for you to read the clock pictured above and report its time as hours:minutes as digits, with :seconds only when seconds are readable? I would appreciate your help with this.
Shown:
12:02
